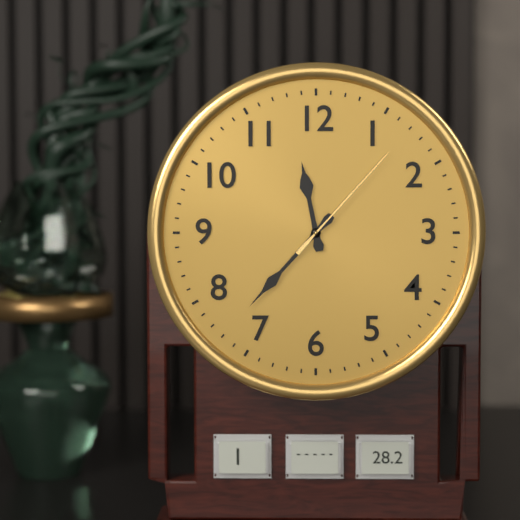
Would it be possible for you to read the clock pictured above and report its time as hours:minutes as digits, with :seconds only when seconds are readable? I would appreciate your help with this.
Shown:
11:37:07
